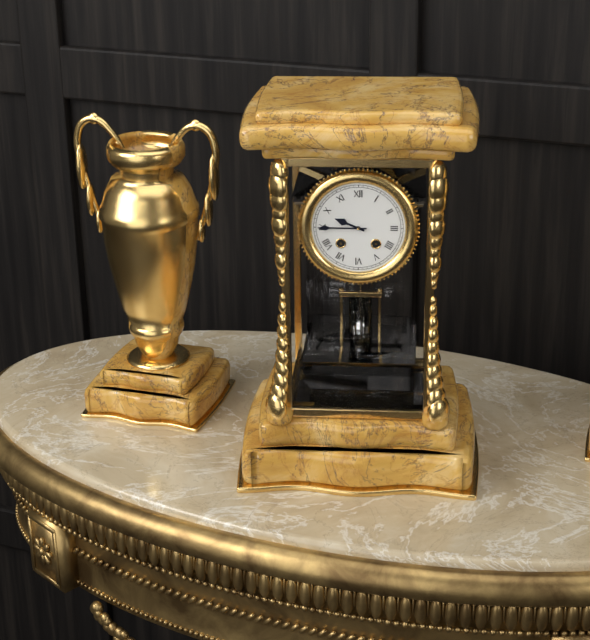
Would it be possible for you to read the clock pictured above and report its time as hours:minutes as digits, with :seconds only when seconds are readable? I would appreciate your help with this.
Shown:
9:45
